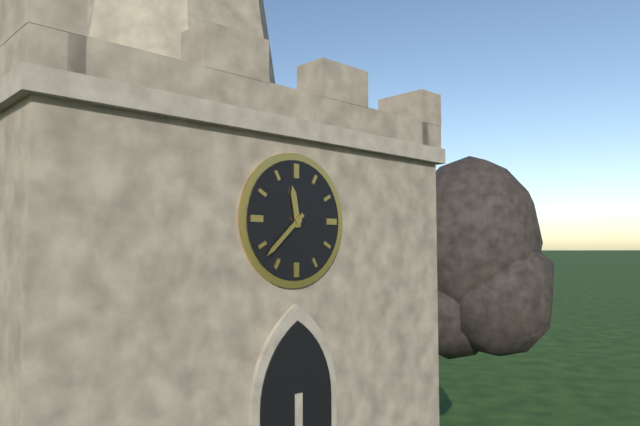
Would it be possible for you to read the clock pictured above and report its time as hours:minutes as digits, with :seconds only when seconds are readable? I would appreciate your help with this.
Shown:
11:38
